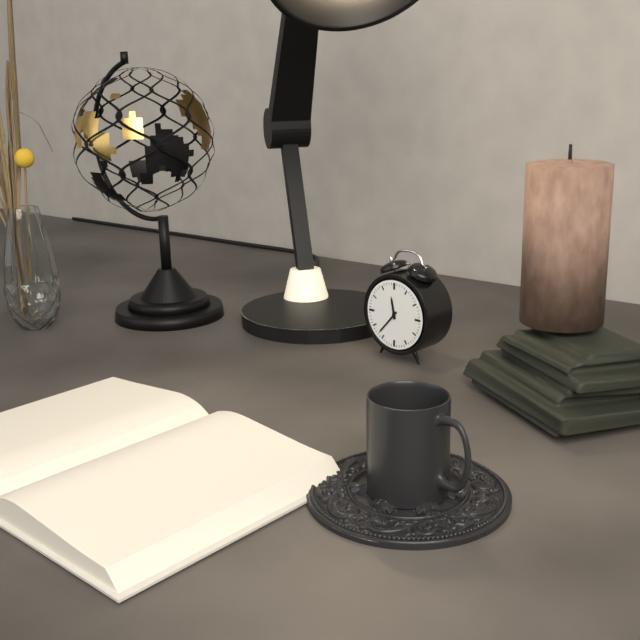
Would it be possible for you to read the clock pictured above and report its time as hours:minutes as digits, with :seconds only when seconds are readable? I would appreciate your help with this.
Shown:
11:37
